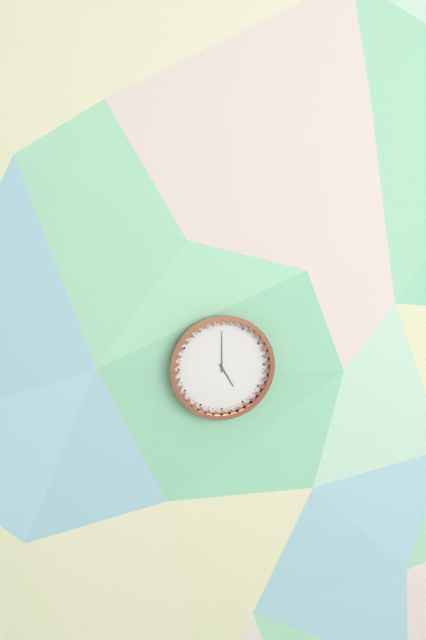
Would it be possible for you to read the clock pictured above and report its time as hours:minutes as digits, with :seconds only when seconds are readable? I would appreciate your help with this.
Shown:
5:00
